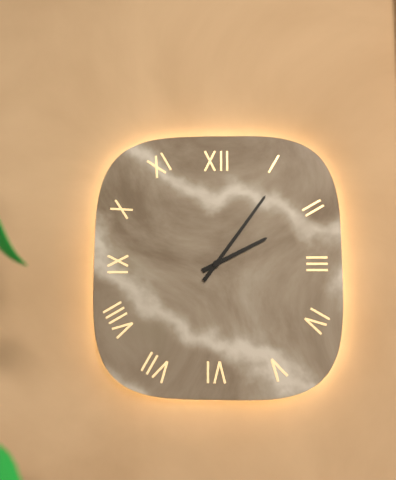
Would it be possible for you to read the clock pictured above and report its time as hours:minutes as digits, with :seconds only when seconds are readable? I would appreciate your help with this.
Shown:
2:06
